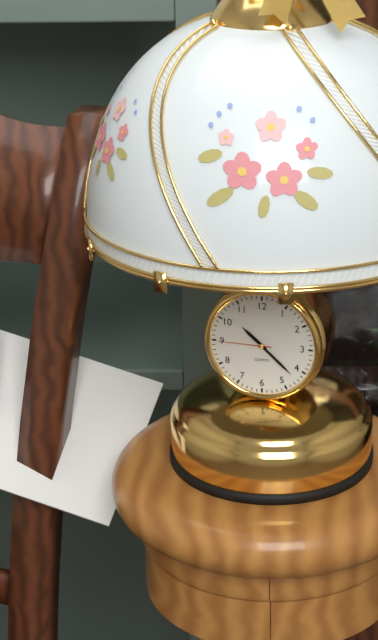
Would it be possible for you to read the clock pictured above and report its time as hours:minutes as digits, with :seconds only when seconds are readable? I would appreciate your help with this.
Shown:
10:22:45
